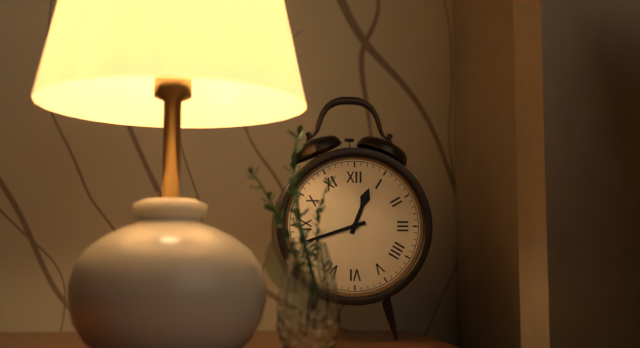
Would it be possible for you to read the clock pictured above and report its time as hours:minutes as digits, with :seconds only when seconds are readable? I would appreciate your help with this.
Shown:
12:42
